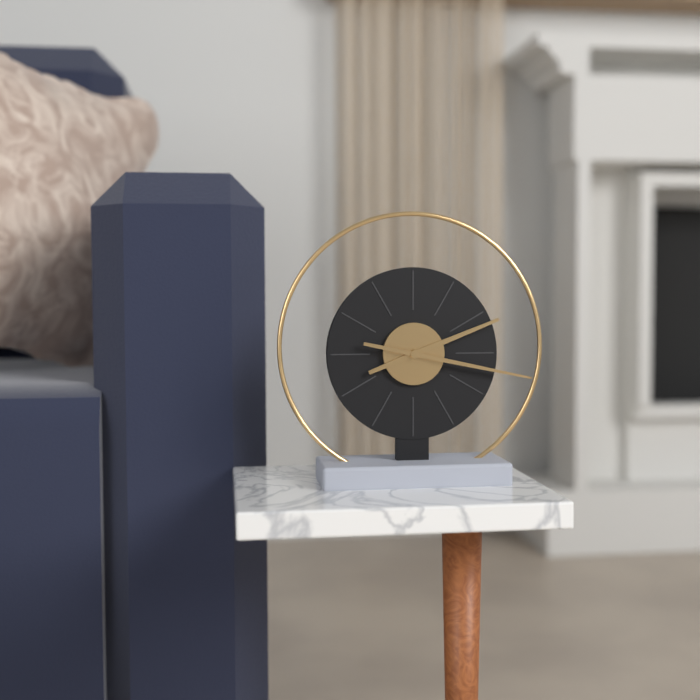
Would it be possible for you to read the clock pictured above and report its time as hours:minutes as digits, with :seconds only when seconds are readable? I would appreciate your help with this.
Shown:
2:17
